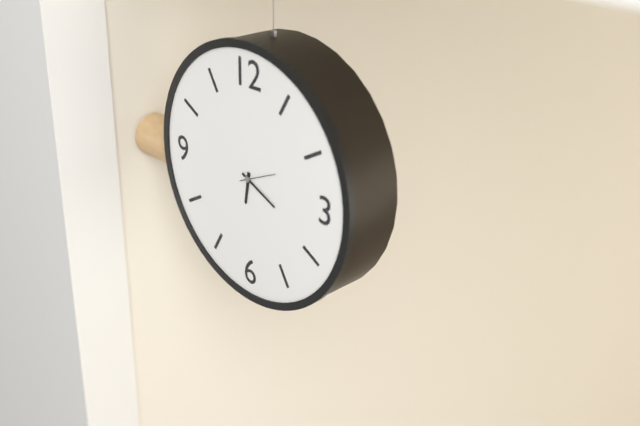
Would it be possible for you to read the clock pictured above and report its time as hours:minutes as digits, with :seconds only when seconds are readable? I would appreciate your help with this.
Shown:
6:19
